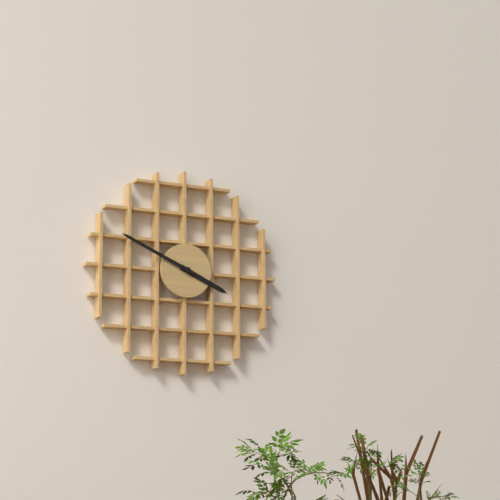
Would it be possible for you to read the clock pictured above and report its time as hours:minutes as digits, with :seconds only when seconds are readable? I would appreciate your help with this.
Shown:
3:49
